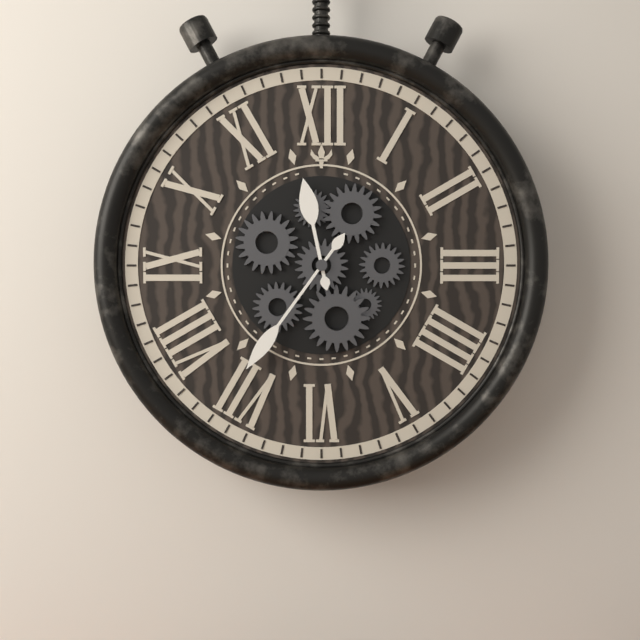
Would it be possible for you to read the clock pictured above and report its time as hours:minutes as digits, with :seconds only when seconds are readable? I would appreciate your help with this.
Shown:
11:36
